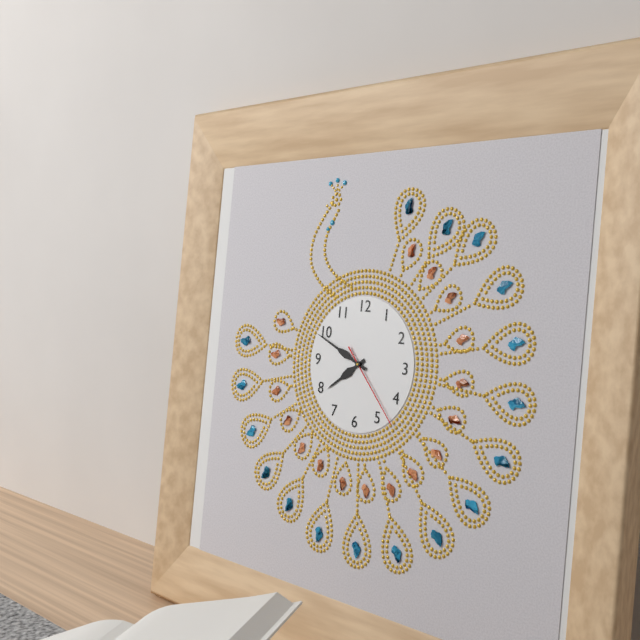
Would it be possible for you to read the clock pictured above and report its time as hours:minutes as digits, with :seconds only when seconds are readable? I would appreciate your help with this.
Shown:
7:49:23
